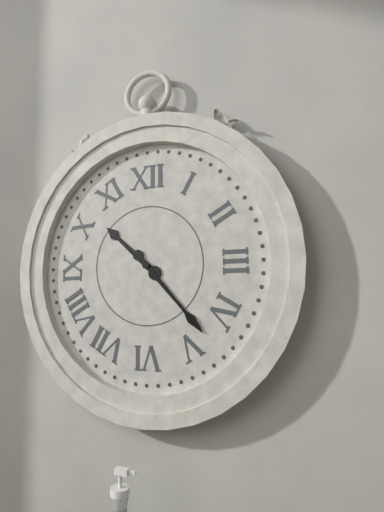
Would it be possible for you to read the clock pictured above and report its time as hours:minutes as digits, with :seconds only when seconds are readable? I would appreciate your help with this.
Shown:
10:23
